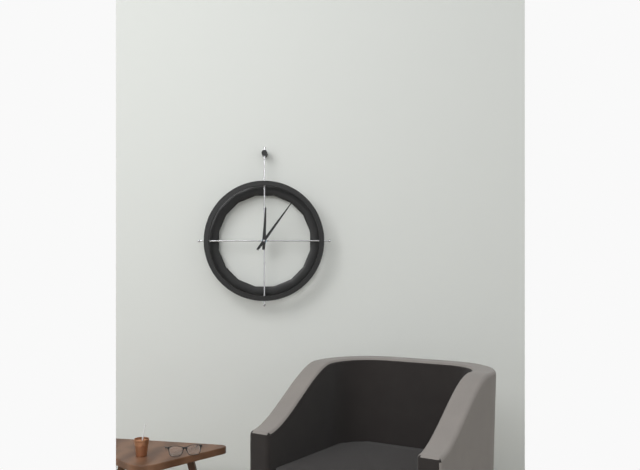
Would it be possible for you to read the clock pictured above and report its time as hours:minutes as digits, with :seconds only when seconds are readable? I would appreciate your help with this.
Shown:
12:06
